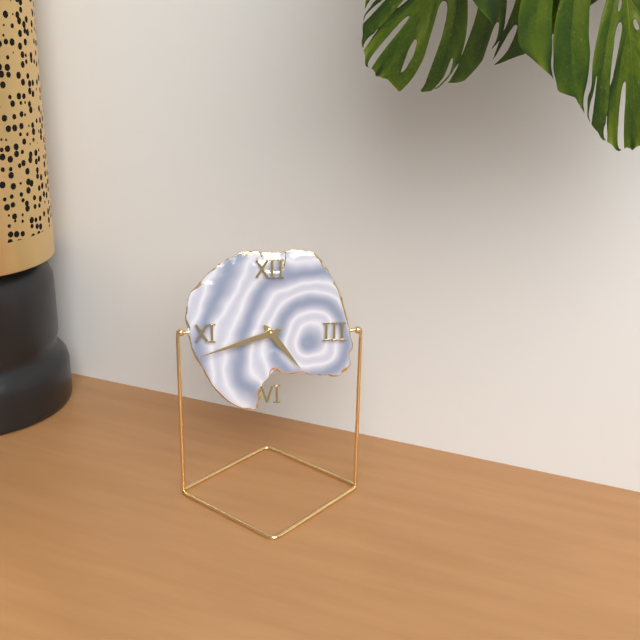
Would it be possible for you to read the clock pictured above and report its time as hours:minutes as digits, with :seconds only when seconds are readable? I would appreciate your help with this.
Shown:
4:42
